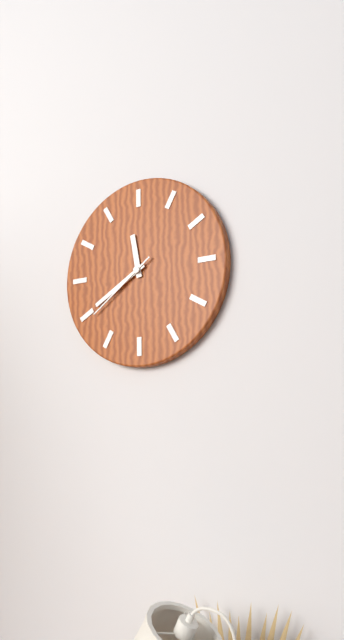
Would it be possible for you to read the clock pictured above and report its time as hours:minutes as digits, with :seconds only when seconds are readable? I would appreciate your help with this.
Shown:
11:40:39
